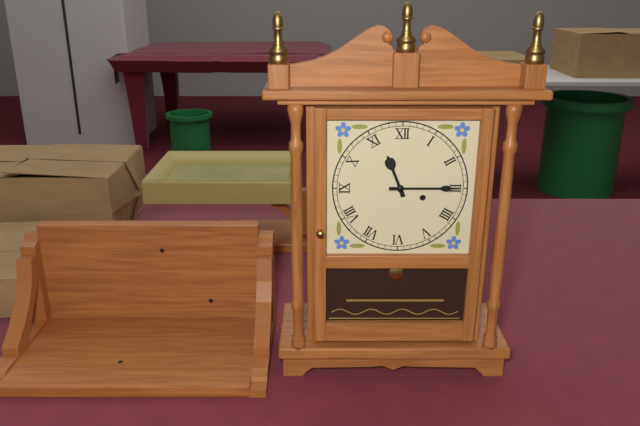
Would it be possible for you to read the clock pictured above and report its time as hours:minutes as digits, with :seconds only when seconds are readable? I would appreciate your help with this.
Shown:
11:15
